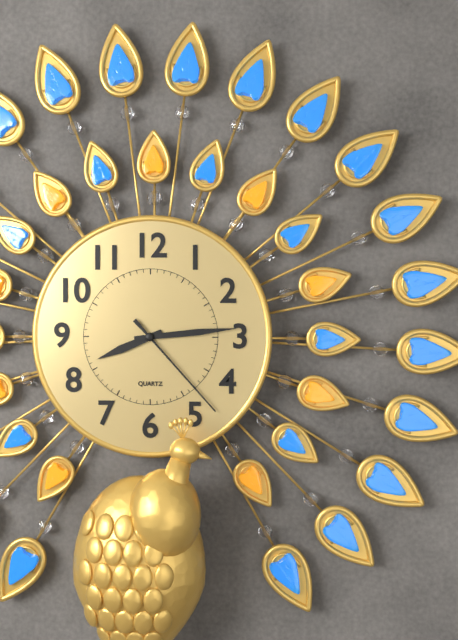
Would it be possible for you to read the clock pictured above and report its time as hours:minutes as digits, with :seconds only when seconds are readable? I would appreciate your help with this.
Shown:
8:14:23
